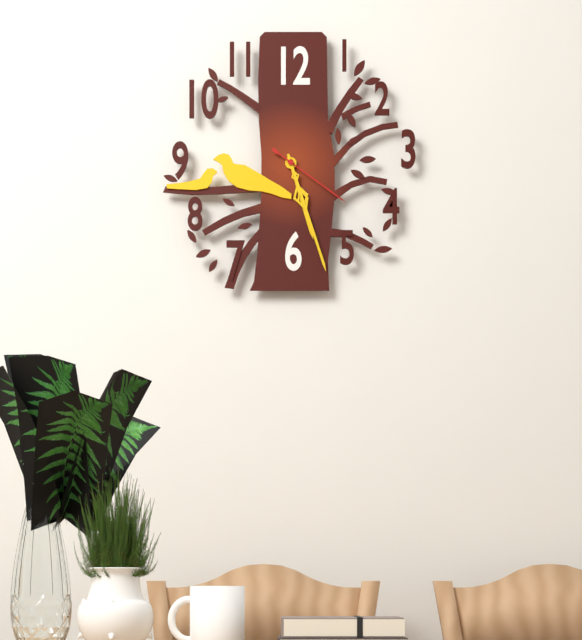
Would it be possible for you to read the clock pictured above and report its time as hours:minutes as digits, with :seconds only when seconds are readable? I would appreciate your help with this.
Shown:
5:27:21
